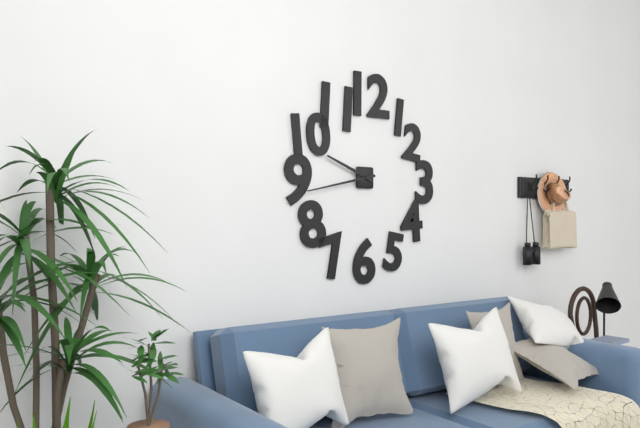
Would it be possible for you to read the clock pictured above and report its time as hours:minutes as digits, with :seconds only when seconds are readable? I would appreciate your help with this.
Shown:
9:43
